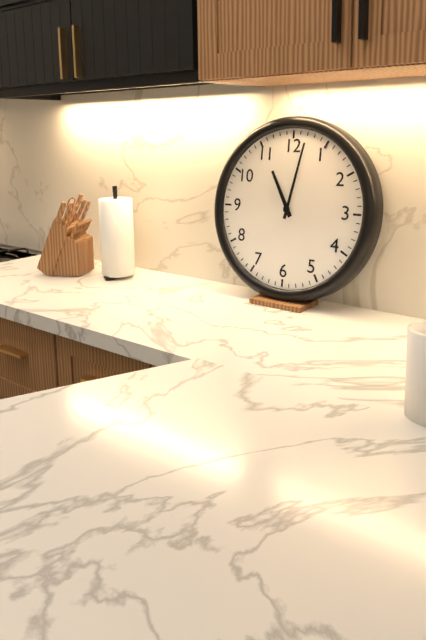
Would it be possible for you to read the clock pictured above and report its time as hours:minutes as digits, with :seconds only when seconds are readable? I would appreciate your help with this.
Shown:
11:02
